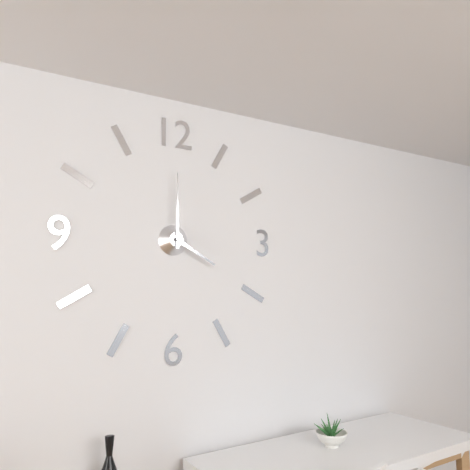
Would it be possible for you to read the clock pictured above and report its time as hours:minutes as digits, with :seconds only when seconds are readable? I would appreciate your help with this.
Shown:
4:00
